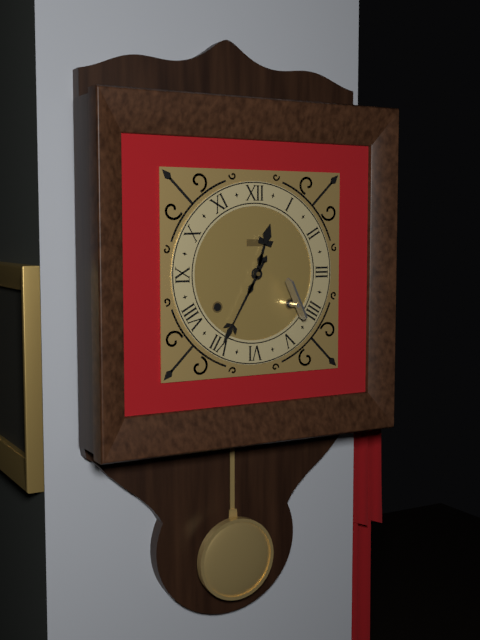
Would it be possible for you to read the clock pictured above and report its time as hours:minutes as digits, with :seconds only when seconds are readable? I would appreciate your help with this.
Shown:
12:35
